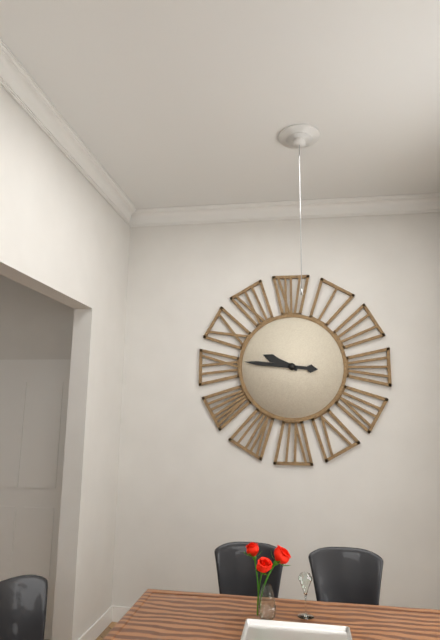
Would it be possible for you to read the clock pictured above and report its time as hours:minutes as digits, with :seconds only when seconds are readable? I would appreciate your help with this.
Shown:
9:46
